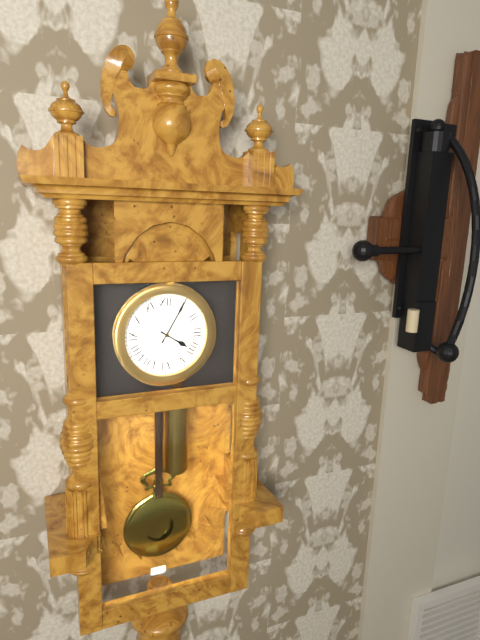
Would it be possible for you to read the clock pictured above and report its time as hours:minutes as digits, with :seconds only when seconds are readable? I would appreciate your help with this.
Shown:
4:05
